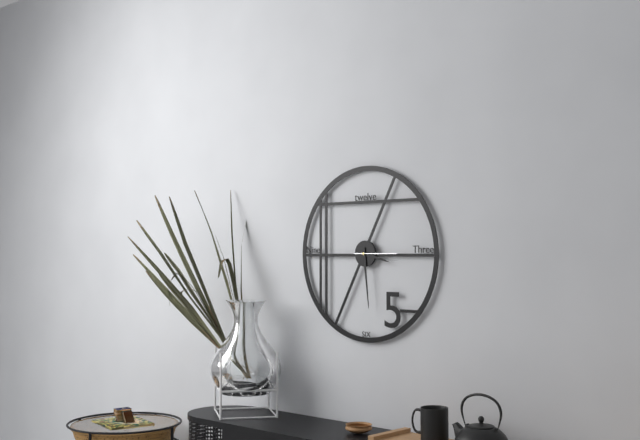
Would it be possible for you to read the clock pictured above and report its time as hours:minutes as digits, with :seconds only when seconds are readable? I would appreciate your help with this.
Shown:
3:29
